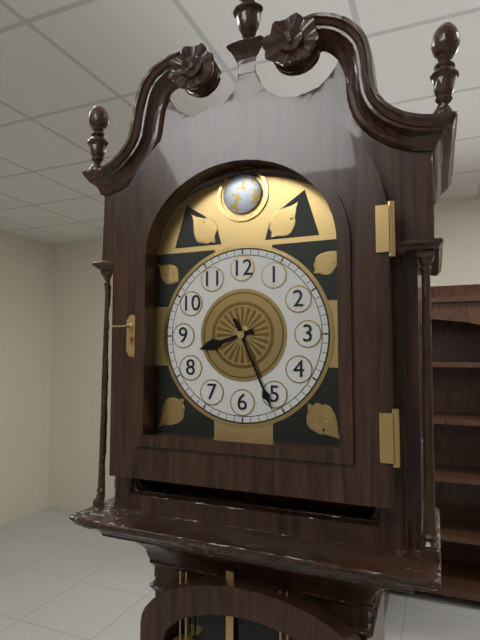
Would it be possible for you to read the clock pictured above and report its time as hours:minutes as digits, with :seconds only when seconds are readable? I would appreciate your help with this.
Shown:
8:26
